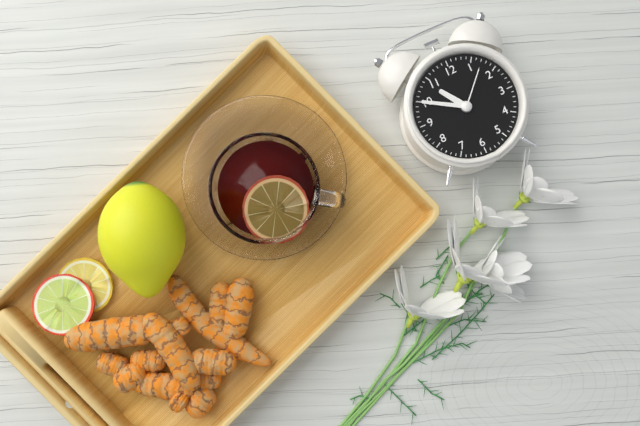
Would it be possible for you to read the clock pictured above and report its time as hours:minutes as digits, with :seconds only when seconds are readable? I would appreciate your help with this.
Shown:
10:50:07
